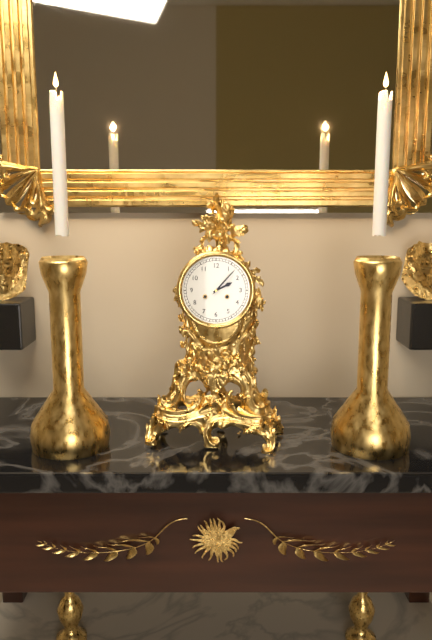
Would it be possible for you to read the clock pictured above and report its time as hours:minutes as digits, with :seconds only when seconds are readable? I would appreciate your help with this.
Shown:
2:07
